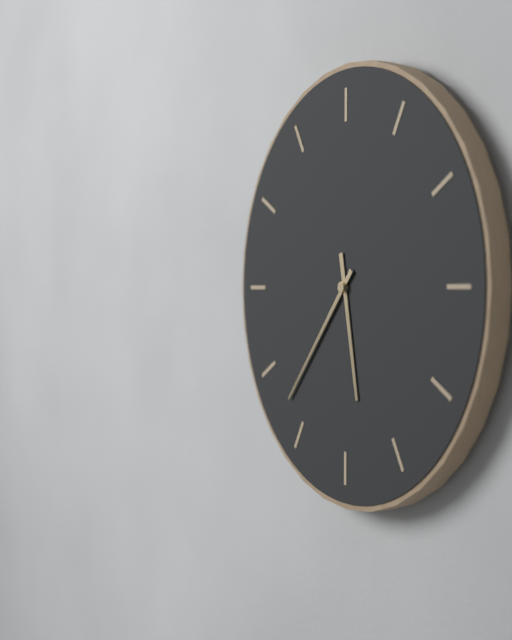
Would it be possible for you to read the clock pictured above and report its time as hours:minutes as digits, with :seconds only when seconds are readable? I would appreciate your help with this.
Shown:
5:37
